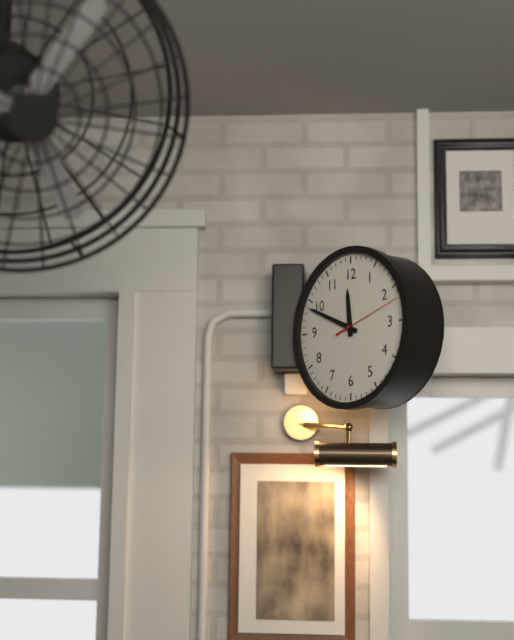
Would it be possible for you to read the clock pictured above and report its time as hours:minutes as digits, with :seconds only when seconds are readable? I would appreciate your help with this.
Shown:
11:49:12
